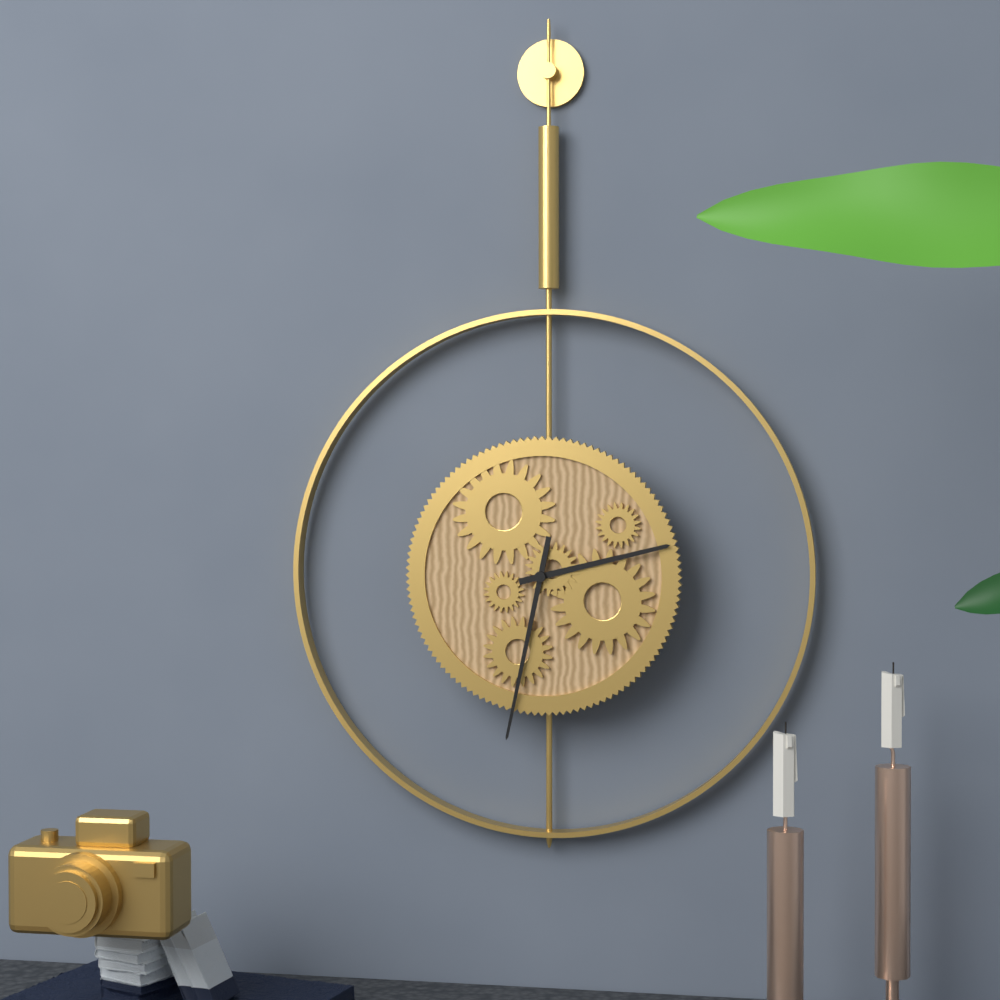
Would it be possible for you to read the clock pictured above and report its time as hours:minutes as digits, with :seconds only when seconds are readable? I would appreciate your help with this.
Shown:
2:32
